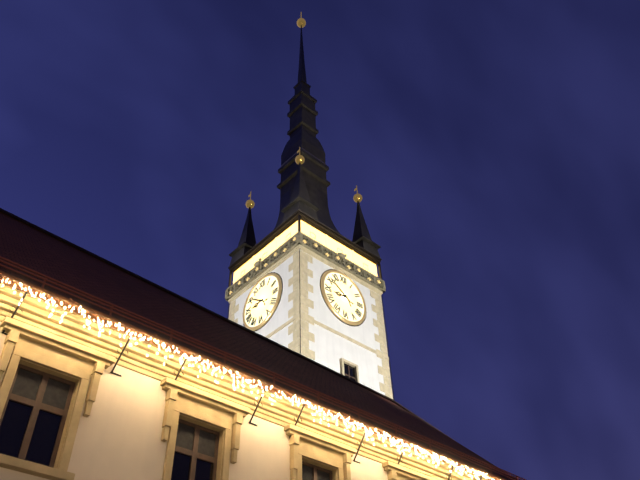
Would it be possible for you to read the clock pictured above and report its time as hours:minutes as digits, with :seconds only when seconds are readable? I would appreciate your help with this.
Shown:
8:51
